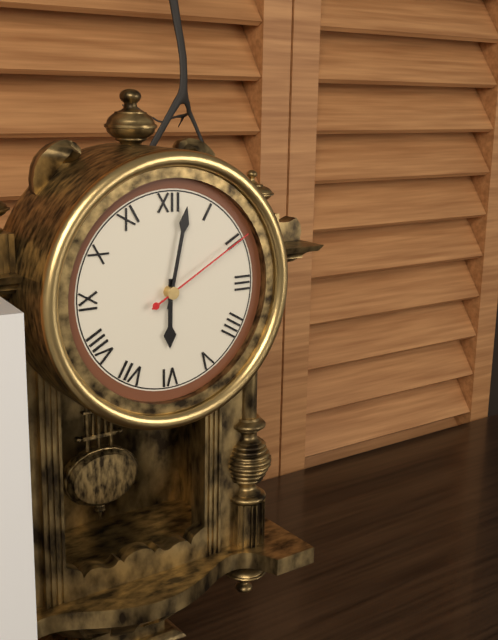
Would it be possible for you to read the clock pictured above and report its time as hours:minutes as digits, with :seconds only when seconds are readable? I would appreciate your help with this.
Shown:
6:02:10
